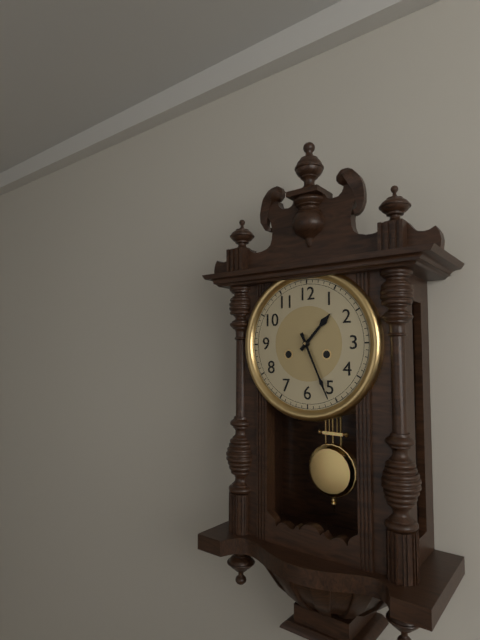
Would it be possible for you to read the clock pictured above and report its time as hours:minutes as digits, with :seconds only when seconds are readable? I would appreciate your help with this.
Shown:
1:26
